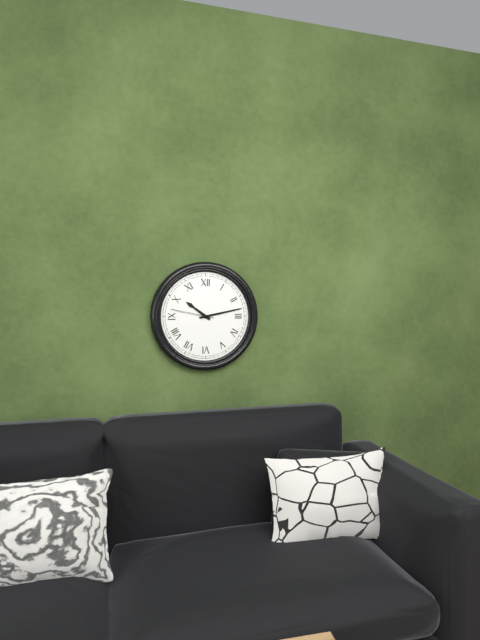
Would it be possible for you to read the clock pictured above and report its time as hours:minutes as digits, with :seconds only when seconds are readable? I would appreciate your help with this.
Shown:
10:13
